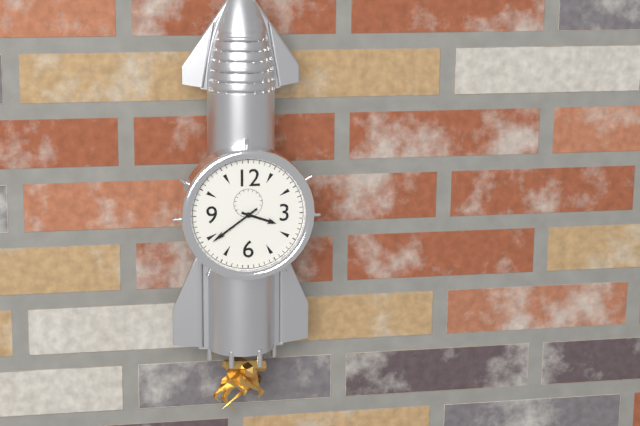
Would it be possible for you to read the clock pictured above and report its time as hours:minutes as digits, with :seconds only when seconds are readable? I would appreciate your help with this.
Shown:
3:39
